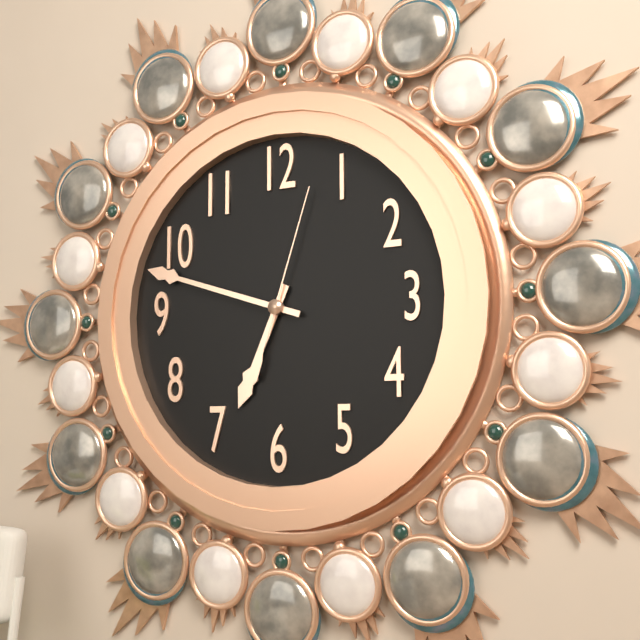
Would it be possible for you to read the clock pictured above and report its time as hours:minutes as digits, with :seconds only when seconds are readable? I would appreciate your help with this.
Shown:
6:48:03
